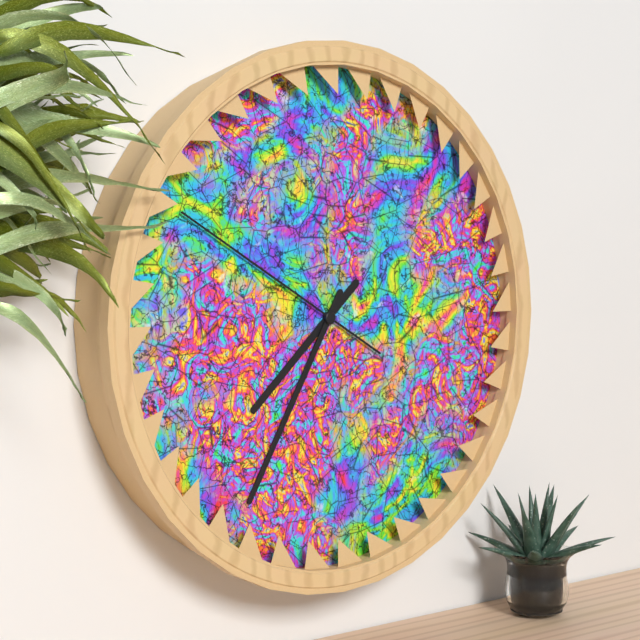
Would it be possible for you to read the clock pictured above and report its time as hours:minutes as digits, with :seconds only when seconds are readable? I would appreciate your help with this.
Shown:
7:35:50
